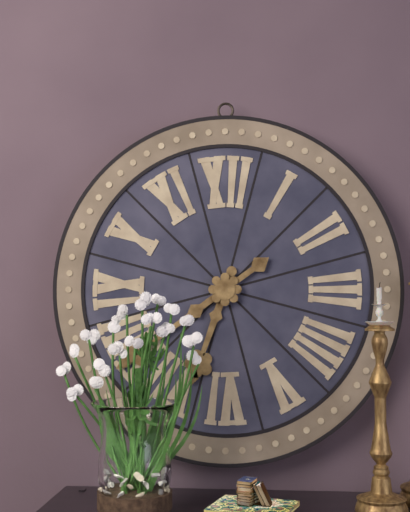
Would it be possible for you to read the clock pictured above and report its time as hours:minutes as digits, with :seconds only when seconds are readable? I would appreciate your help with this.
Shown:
6:39
